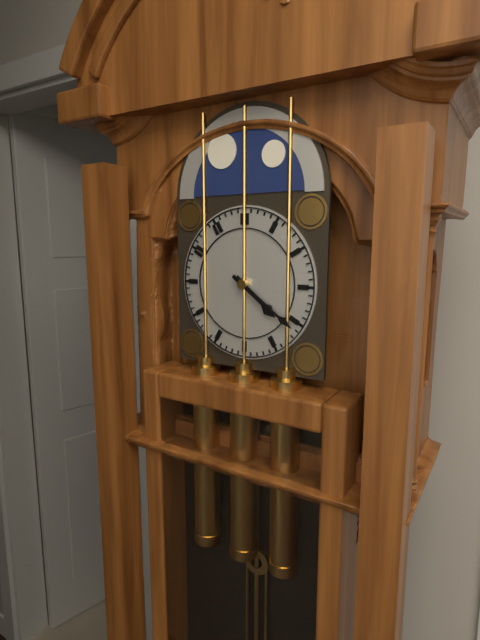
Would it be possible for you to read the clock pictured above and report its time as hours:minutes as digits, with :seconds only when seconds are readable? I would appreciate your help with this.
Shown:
4:21
